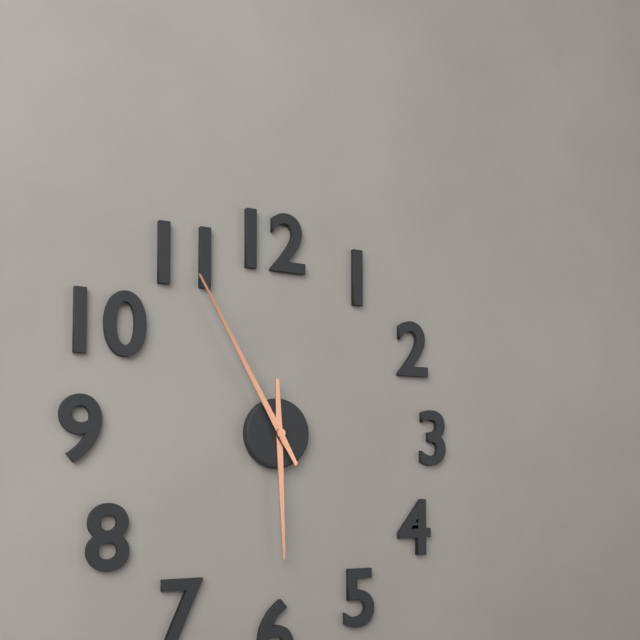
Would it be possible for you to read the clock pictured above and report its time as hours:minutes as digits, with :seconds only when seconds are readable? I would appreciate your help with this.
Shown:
5:55
